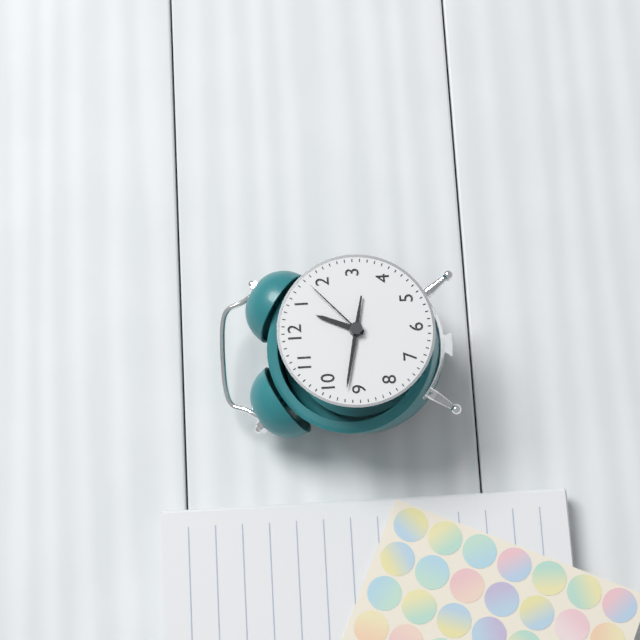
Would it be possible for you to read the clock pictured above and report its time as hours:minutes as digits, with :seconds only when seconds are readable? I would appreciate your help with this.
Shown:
12:47:08
